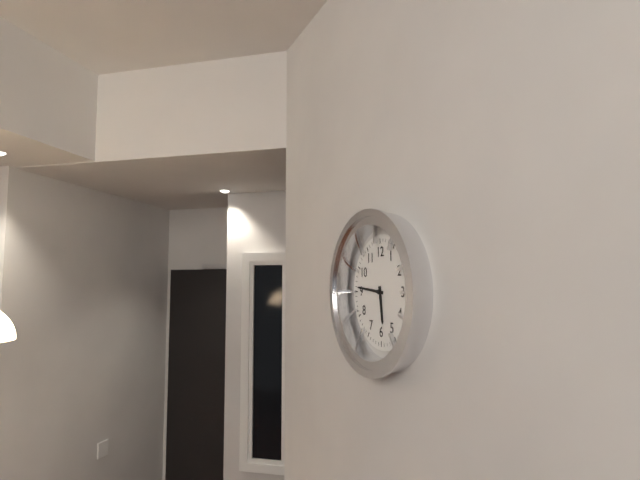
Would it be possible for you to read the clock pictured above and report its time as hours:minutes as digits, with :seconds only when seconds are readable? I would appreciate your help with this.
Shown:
5:46
